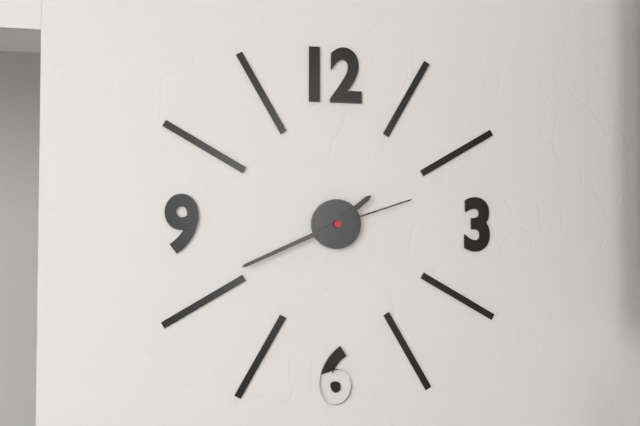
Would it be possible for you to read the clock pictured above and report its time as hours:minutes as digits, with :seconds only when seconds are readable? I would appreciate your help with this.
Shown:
1:41:12
